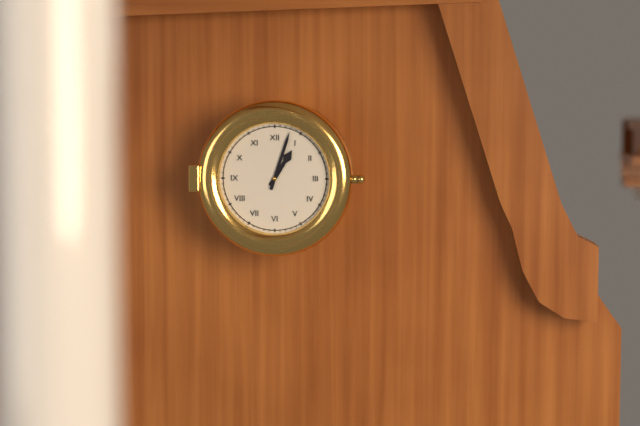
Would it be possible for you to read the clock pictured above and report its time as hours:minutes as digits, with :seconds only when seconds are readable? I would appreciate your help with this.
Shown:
1:03
